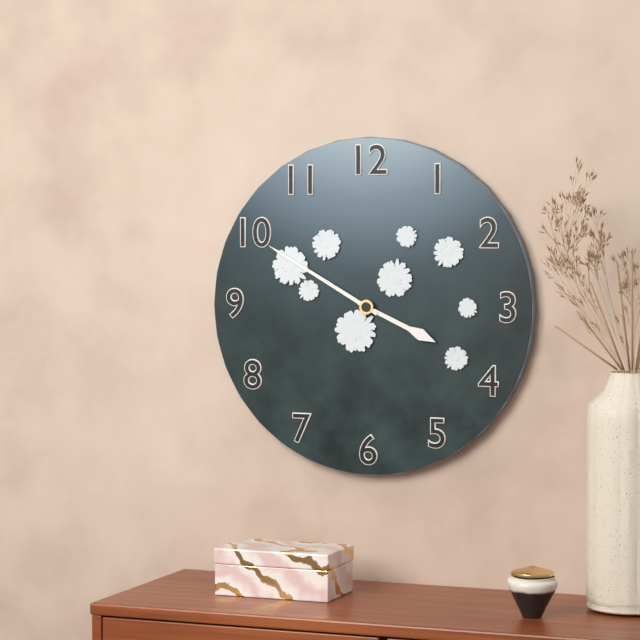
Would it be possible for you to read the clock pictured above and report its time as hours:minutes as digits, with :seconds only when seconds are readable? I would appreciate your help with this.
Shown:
3:50
